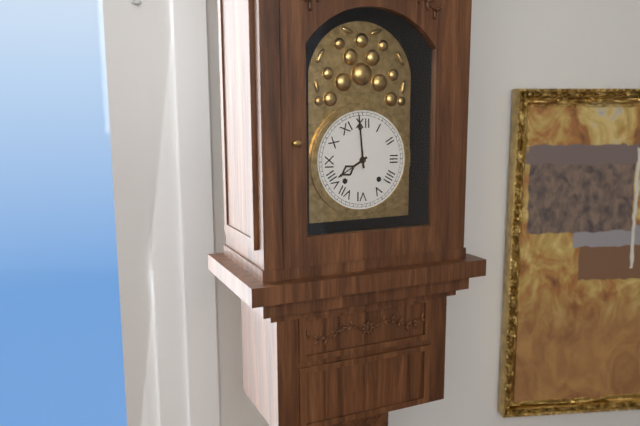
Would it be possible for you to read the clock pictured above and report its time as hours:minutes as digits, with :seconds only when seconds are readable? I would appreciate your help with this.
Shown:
7:59
